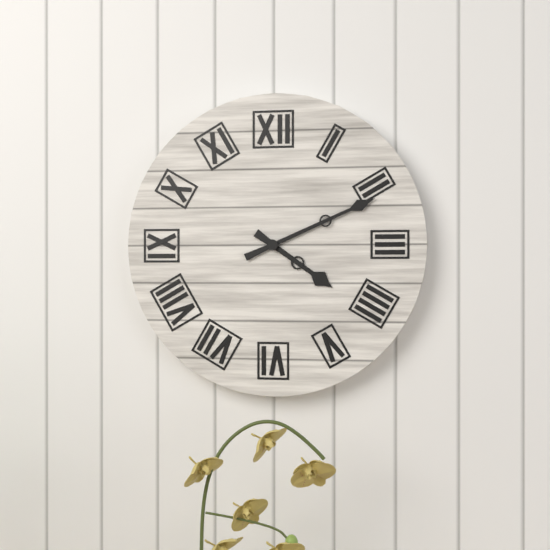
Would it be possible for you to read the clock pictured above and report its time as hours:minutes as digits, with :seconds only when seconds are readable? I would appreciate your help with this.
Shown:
4:11
